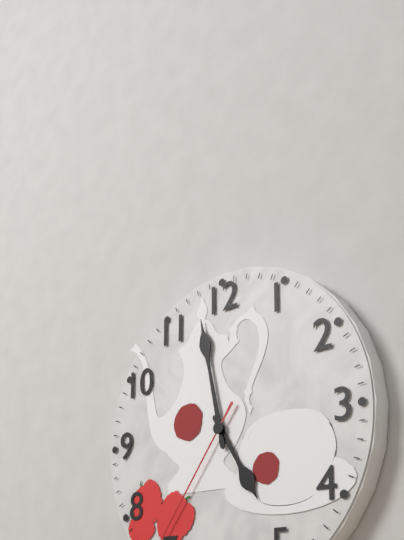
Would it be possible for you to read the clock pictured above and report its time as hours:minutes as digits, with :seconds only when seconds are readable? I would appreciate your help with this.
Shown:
4:58
